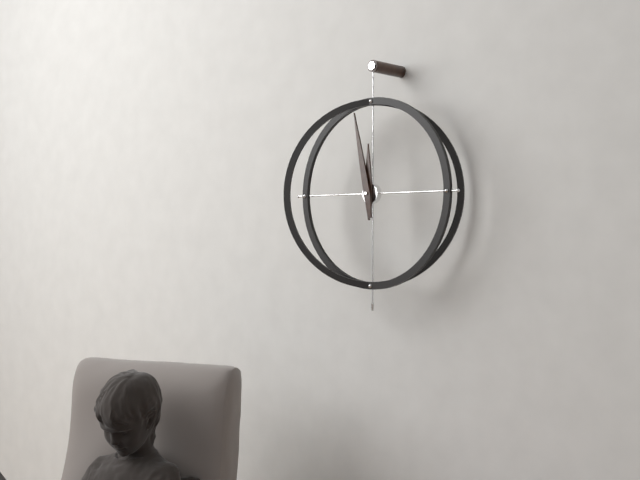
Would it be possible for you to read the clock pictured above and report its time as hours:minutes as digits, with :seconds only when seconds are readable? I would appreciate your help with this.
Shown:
11:58
